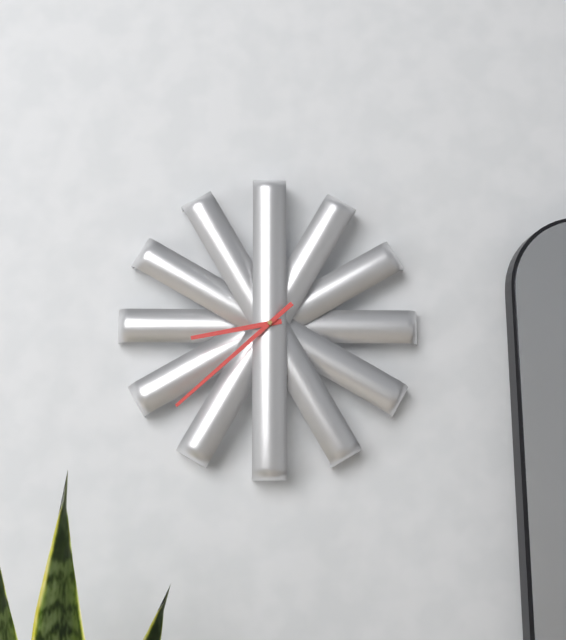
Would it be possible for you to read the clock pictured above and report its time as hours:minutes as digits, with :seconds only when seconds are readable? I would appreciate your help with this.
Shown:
8:38
